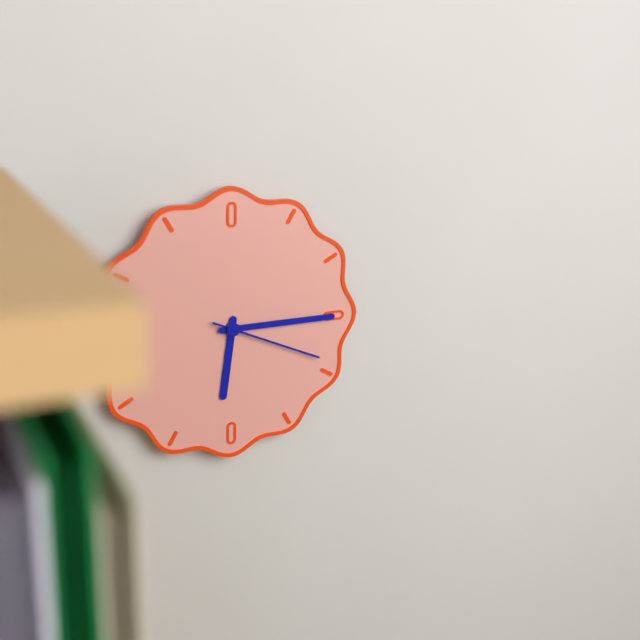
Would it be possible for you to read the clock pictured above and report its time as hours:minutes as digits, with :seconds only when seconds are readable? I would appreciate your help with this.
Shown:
6:15:19
